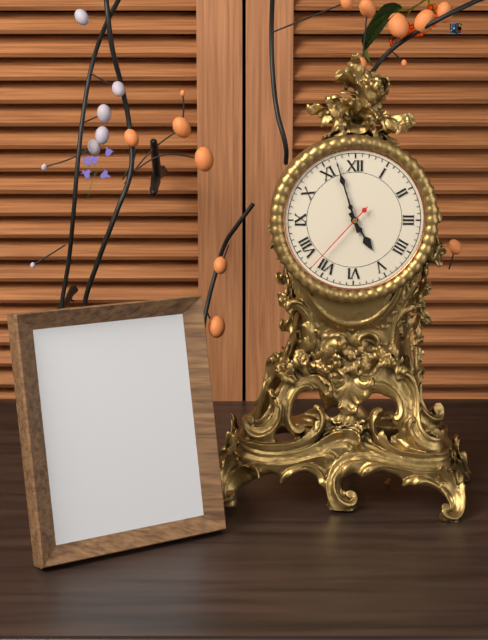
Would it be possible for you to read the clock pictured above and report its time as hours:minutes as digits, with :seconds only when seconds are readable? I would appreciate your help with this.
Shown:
4:57:37
